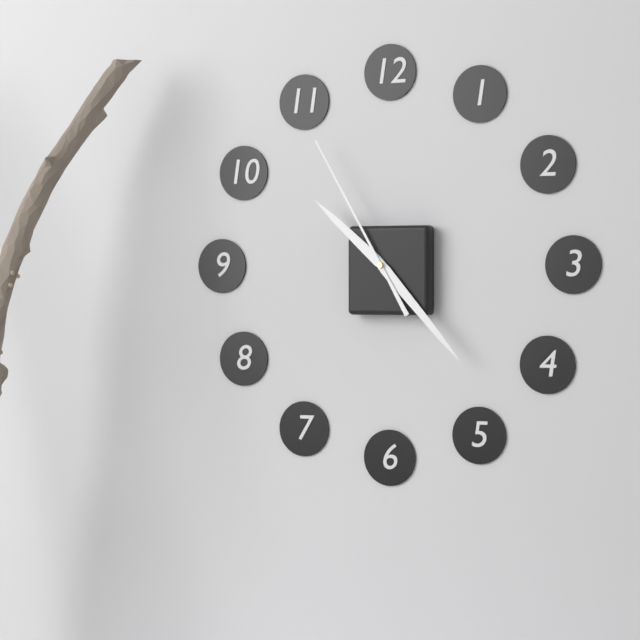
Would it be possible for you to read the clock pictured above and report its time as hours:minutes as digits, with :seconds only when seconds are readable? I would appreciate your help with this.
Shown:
10:23:55
